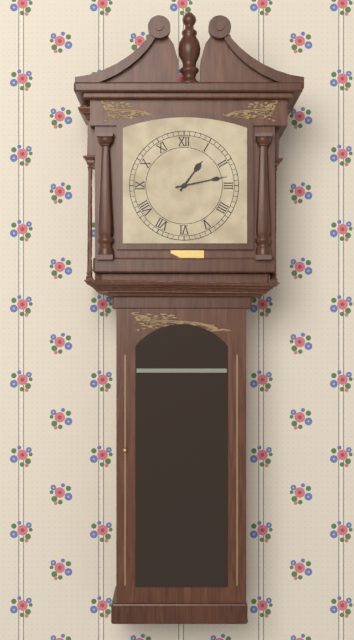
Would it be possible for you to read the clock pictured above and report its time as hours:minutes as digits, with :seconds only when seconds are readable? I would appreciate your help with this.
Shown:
1:13
